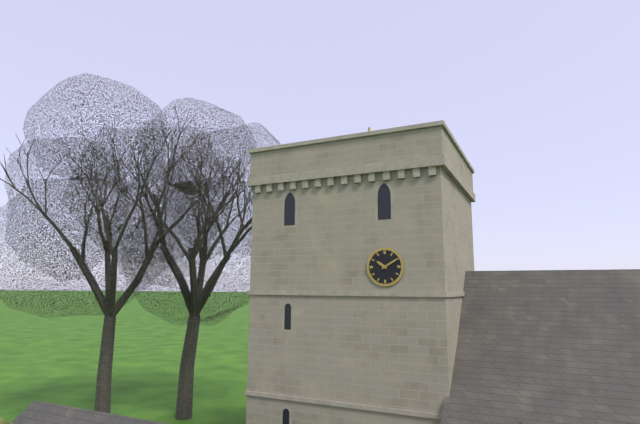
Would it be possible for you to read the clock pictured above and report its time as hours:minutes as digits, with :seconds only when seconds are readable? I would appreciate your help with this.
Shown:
10:10
